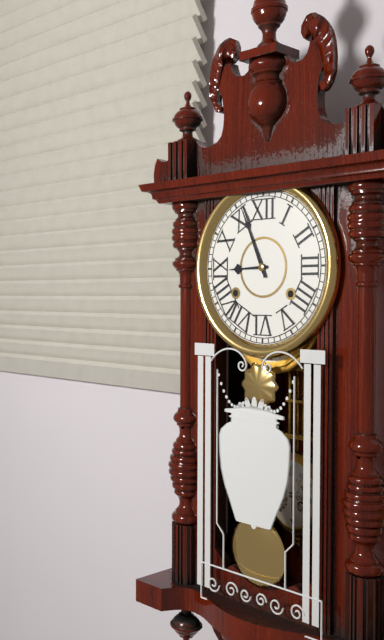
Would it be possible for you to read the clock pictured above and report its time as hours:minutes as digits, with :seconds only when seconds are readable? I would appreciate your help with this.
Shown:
8:56
